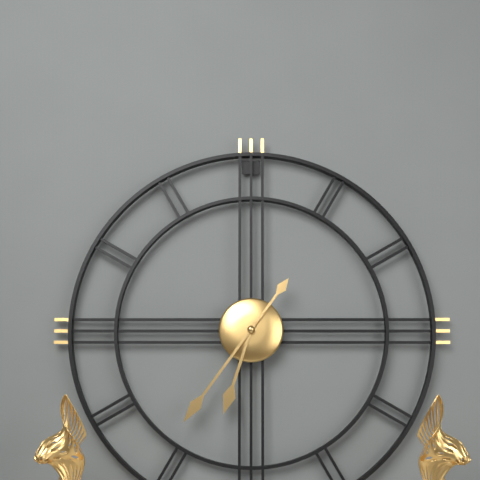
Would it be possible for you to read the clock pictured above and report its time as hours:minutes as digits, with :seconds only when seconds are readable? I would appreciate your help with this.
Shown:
6:36
